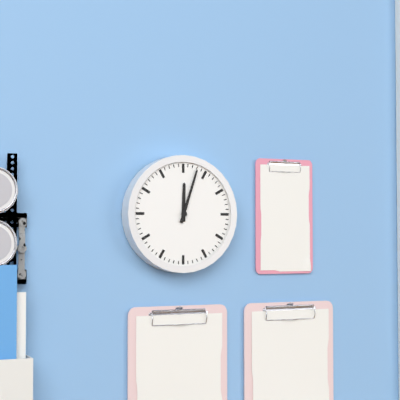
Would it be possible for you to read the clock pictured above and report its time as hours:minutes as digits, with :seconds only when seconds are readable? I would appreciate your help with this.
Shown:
12:03
